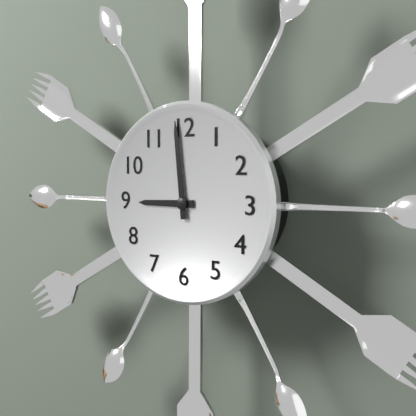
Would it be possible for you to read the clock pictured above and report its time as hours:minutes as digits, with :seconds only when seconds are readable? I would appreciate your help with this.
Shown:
8:59
